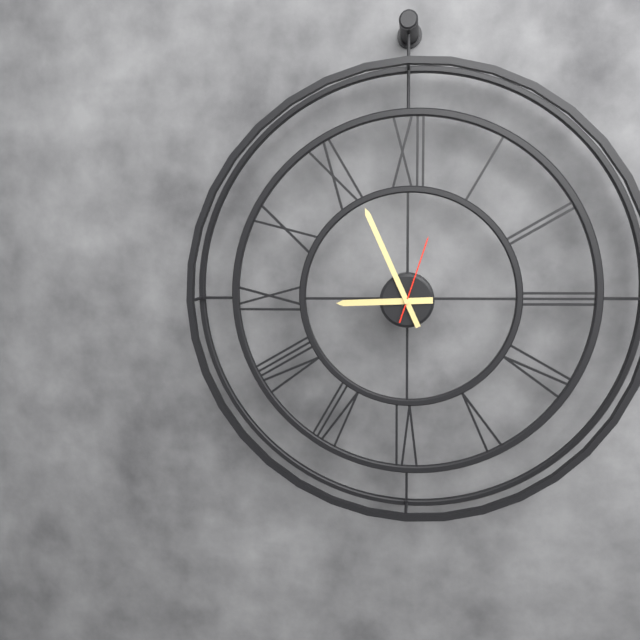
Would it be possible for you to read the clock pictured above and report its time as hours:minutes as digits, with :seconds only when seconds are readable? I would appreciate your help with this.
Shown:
8:56:03
